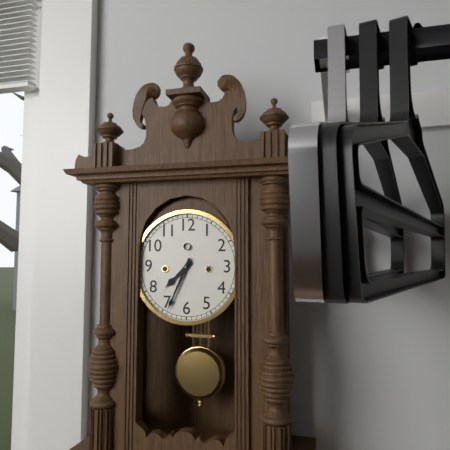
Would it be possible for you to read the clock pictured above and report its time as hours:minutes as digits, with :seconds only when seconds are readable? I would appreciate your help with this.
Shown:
7:34
